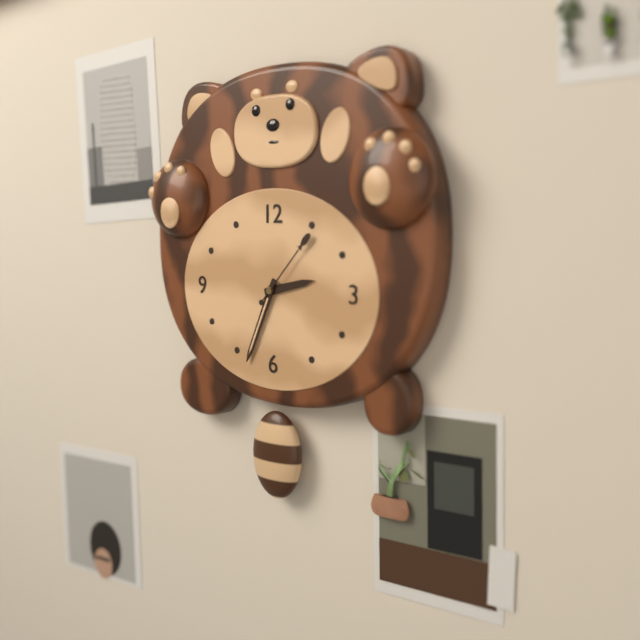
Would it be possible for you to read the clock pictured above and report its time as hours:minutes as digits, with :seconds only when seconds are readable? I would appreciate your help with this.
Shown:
2:34:07
